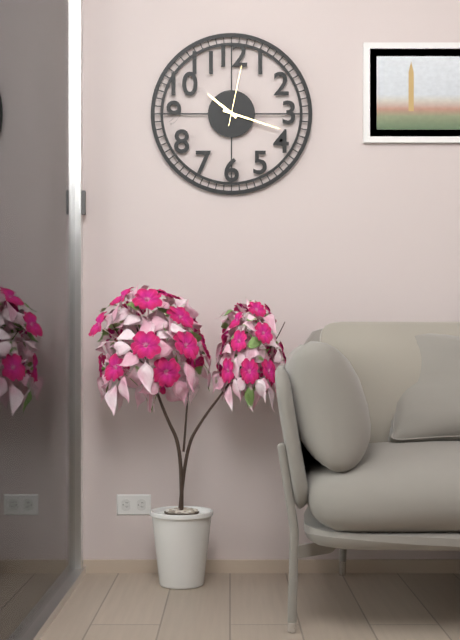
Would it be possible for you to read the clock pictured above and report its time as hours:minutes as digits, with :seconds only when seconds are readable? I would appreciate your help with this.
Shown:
10:18:02
